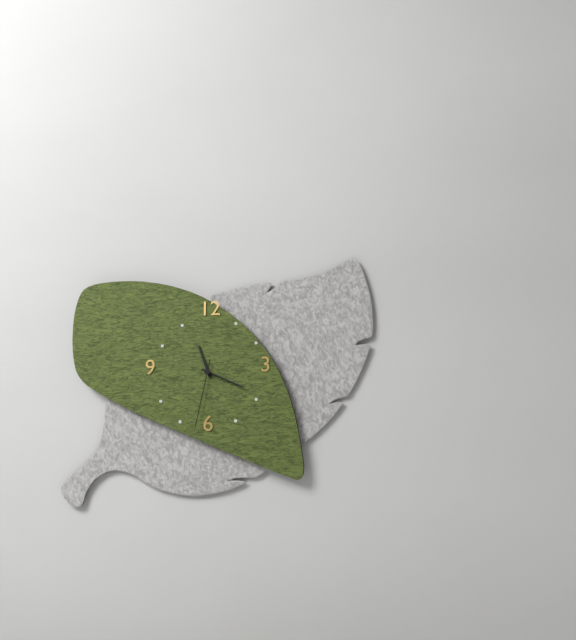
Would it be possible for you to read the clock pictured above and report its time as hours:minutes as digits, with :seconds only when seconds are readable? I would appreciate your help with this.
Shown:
11:19:32
